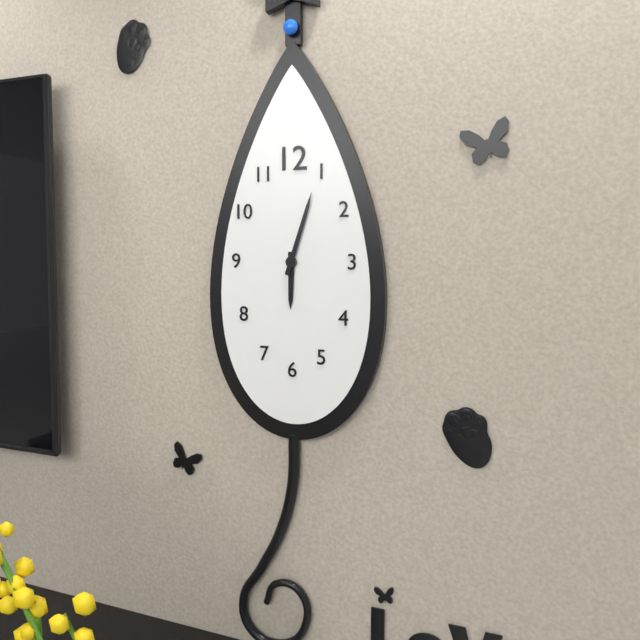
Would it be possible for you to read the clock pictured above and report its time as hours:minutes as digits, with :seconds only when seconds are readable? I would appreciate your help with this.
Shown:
6:03
